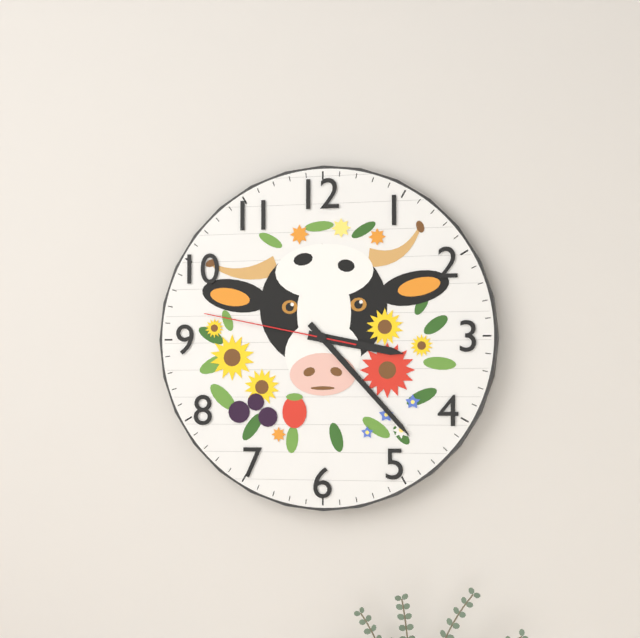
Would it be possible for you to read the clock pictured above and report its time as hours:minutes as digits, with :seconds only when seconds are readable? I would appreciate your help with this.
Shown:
3:23:47
